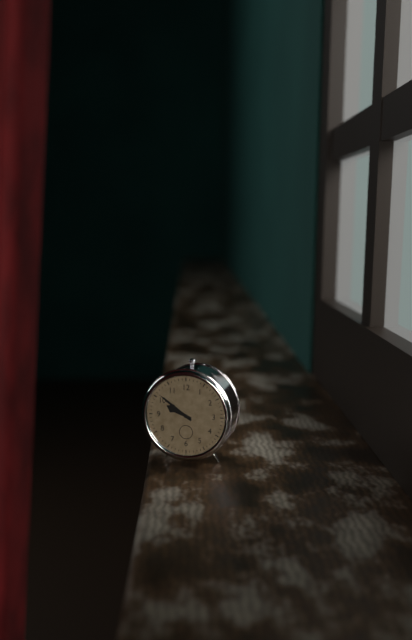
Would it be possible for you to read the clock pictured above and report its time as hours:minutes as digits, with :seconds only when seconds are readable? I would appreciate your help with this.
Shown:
9:51
